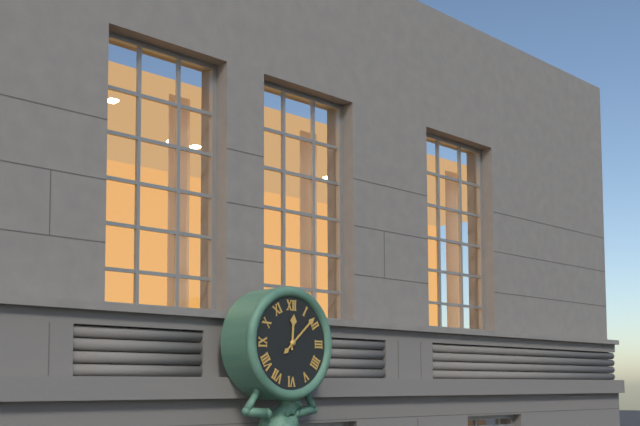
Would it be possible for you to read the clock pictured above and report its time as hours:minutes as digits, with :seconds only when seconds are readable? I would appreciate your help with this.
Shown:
12:08
